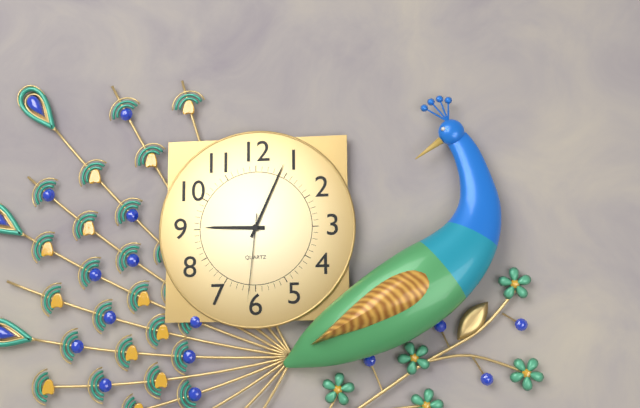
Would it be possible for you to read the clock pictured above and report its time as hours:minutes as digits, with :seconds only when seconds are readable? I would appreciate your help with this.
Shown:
9:04:31
